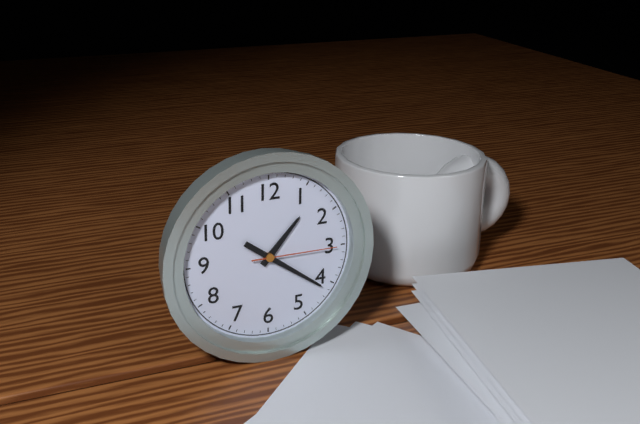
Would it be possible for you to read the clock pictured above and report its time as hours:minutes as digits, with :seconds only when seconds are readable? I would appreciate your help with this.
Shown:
1:21:15
